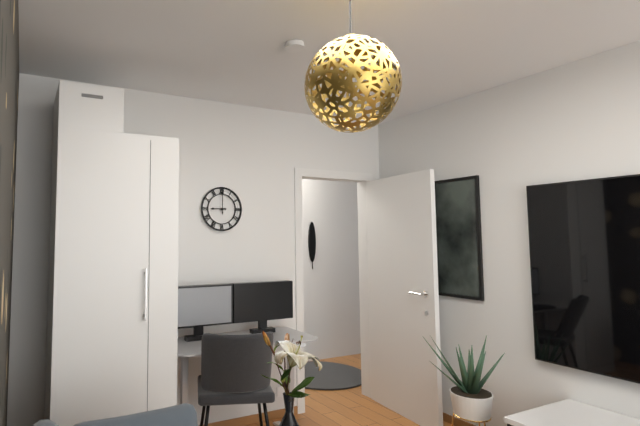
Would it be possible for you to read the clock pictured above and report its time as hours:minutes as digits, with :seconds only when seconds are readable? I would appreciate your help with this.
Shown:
9:00
